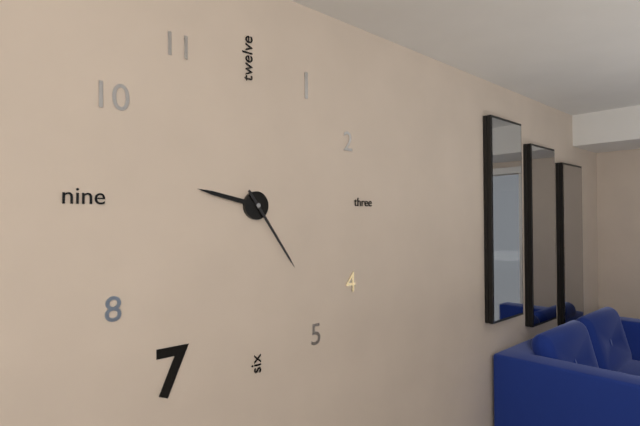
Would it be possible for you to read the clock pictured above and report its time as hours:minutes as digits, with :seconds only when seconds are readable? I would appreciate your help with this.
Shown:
9:24
